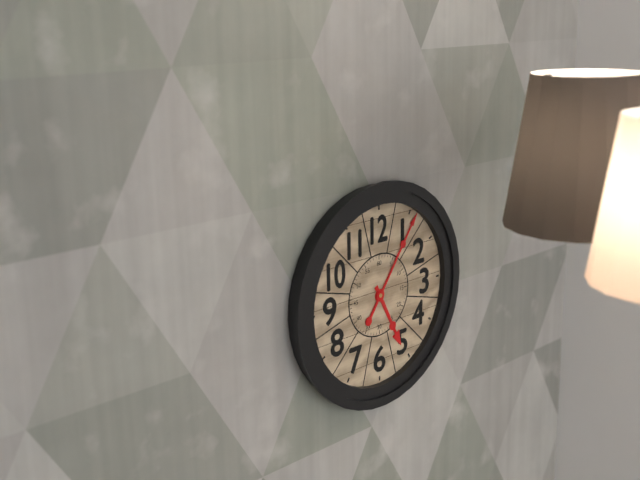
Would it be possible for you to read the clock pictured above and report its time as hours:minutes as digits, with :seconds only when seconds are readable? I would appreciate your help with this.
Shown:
5:06
